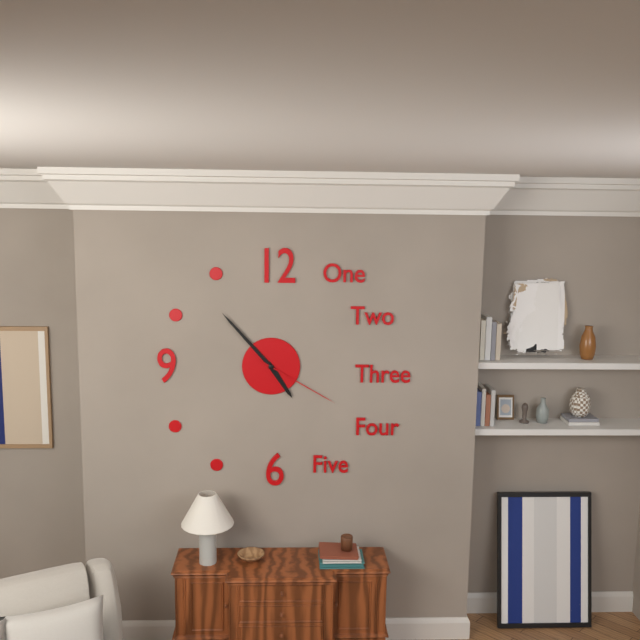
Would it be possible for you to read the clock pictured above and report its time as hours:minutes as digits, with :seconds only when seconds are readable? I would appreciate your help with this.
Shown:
4:53:20
